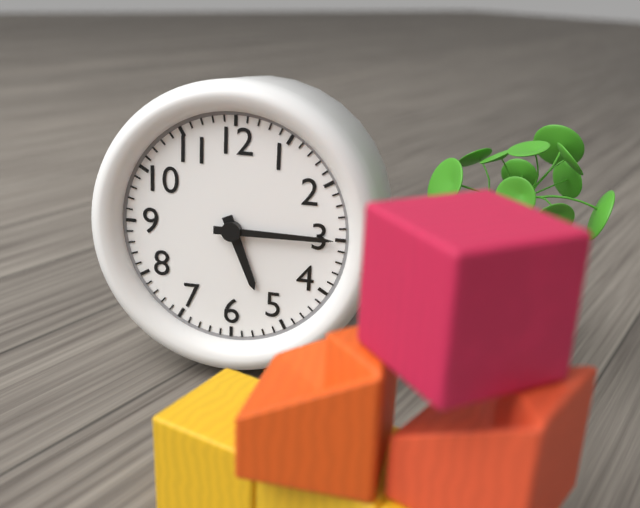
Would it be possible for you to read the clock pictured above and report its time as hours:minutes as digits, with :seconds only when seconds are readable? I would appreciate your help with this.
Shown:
5:15
